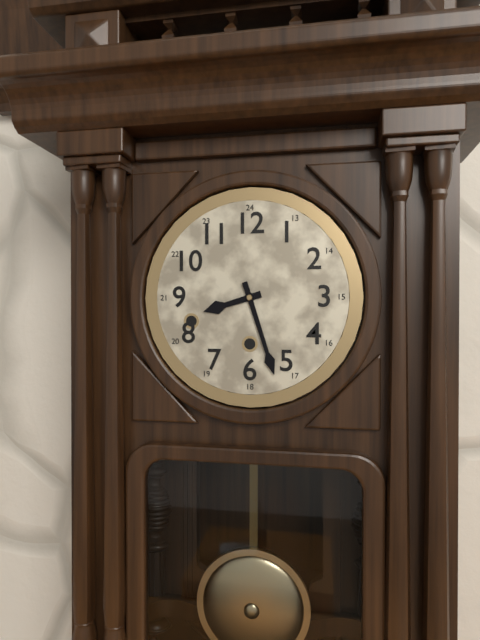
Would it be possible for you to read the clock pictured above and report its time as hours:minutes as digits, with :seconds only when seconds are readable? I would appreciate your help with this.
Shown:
8:27
